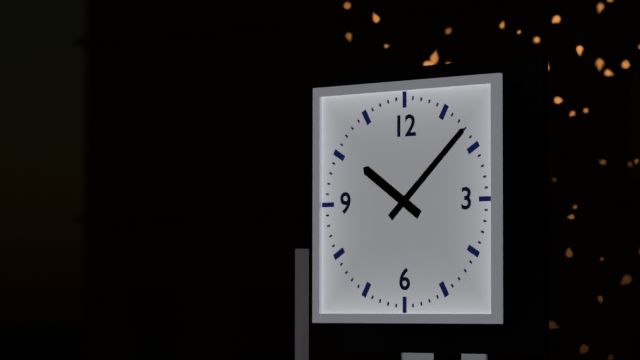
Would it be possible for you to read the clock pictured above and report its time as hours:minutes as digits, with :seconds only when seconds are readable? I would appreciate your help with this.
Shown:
10:08
